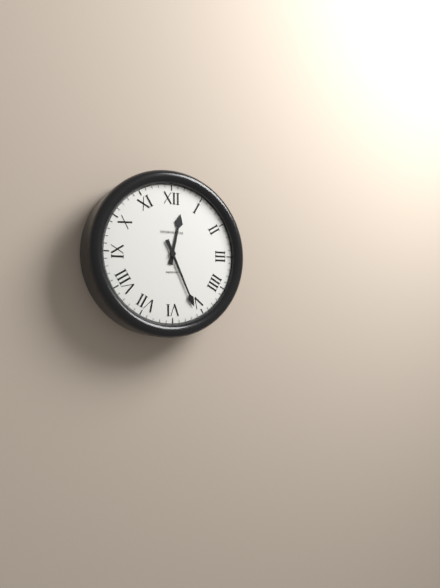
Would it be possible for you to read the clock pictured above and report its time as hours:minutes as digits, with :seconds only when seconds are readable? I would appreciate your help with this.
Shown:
12:26
